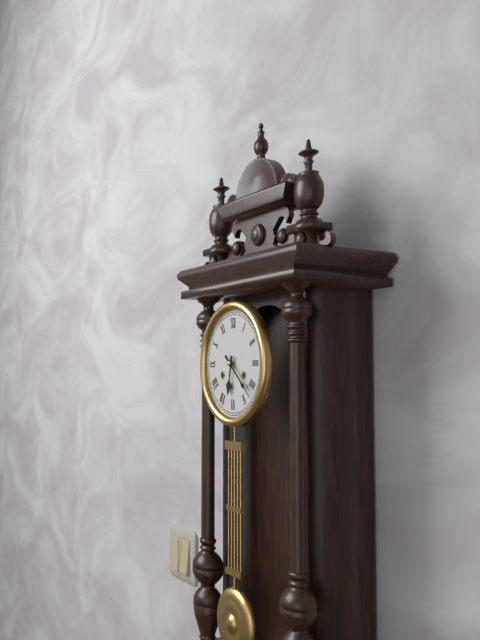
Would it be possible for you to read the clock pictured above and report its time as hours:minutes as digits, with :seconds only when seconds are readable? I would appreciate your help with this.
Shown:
6:22
